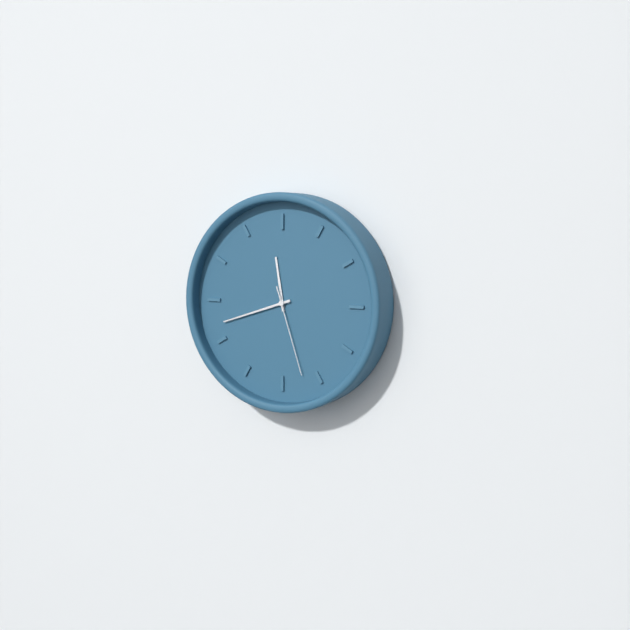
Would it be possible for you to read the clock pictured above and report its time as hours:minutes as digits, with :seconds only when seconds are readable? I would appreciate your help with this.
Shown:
11:42:27
